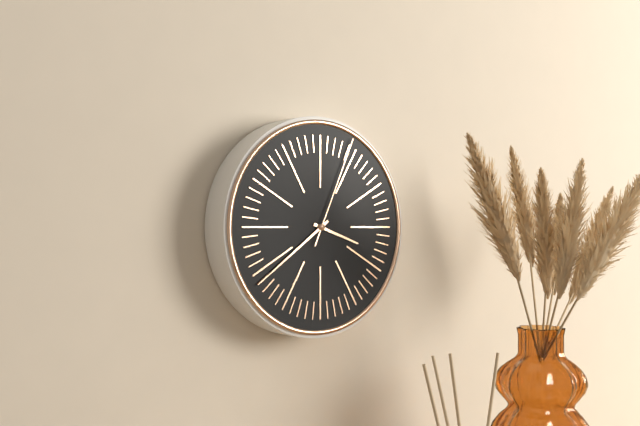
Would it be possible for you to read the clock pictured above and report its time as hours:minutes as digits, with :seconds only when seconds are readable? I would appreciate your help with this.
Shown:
3:39:04
